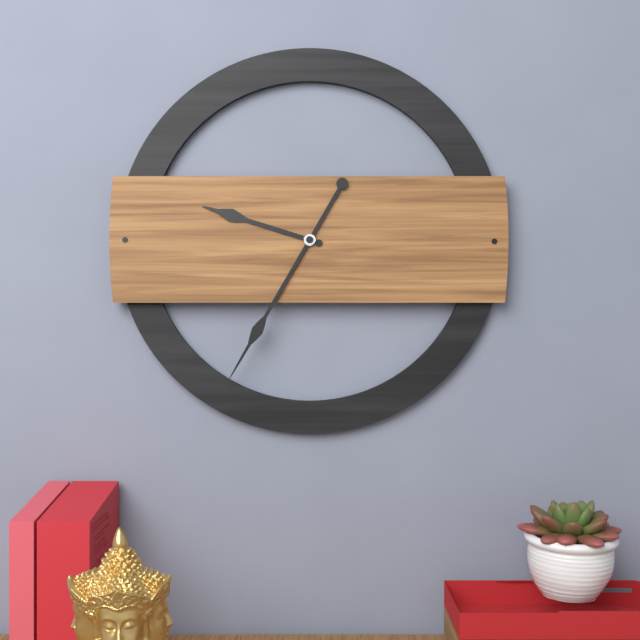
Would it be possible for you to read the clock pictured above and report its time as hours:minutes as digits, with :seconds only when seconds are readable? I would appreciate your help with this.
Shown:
9:35
